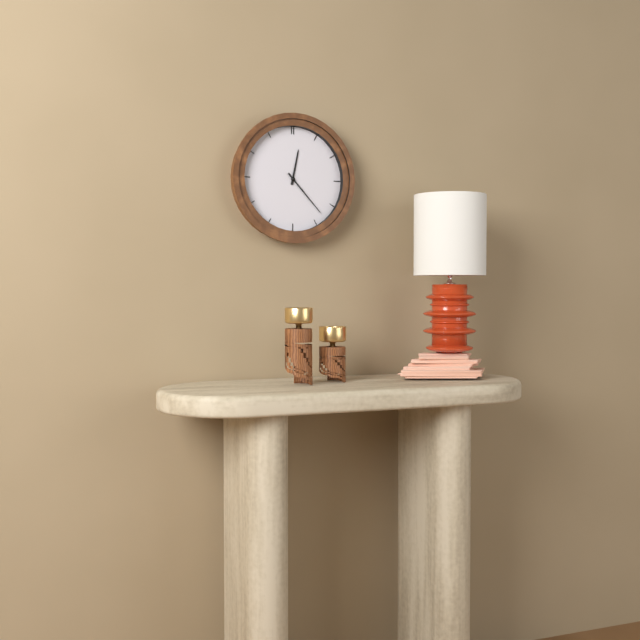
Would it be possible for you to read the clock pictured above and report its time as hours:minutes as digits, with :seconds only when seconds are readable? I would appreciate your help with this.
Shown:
12:23
